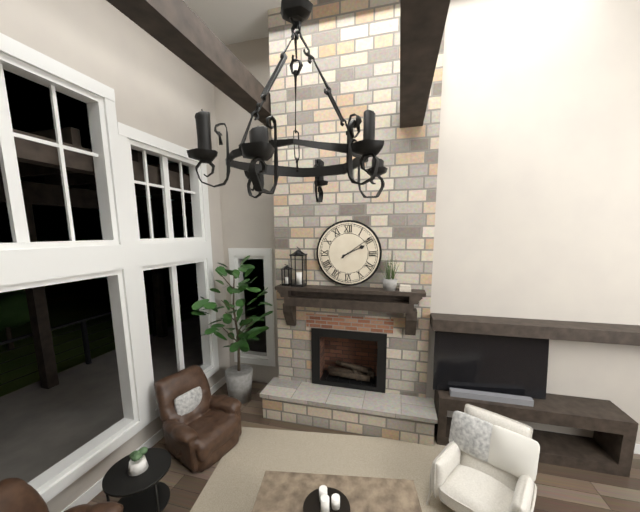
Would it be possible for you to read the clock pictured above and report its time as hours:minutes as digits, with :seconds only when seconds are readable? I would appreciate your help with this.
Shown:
2:09
